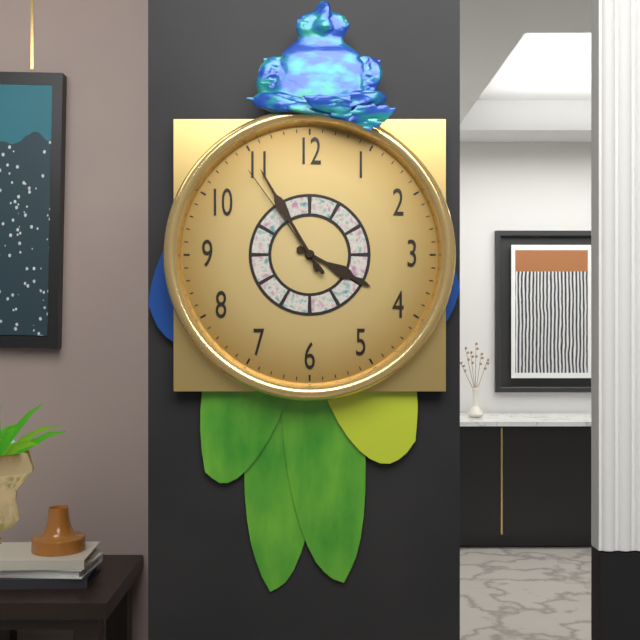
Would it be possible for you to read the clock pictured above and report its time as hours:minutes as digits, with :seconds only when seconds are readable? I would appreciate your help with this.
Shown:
3:55:54
